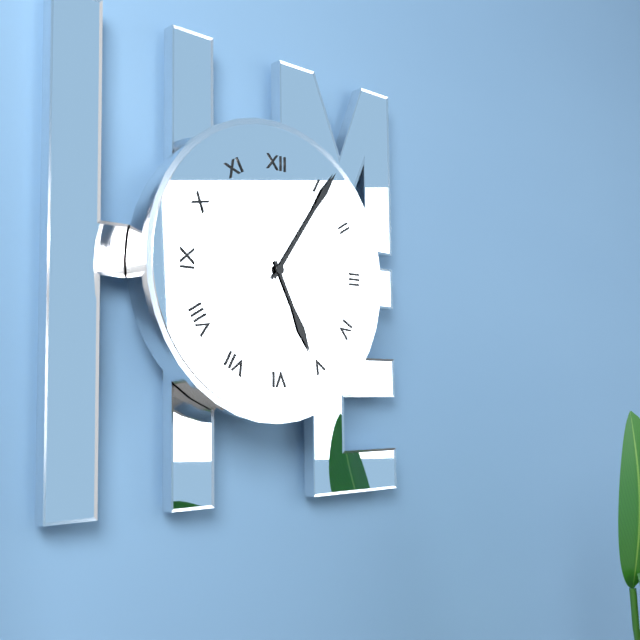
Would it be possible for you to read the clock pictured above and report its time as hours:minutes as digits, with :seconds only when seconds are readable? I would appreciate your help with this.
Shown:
5:06
